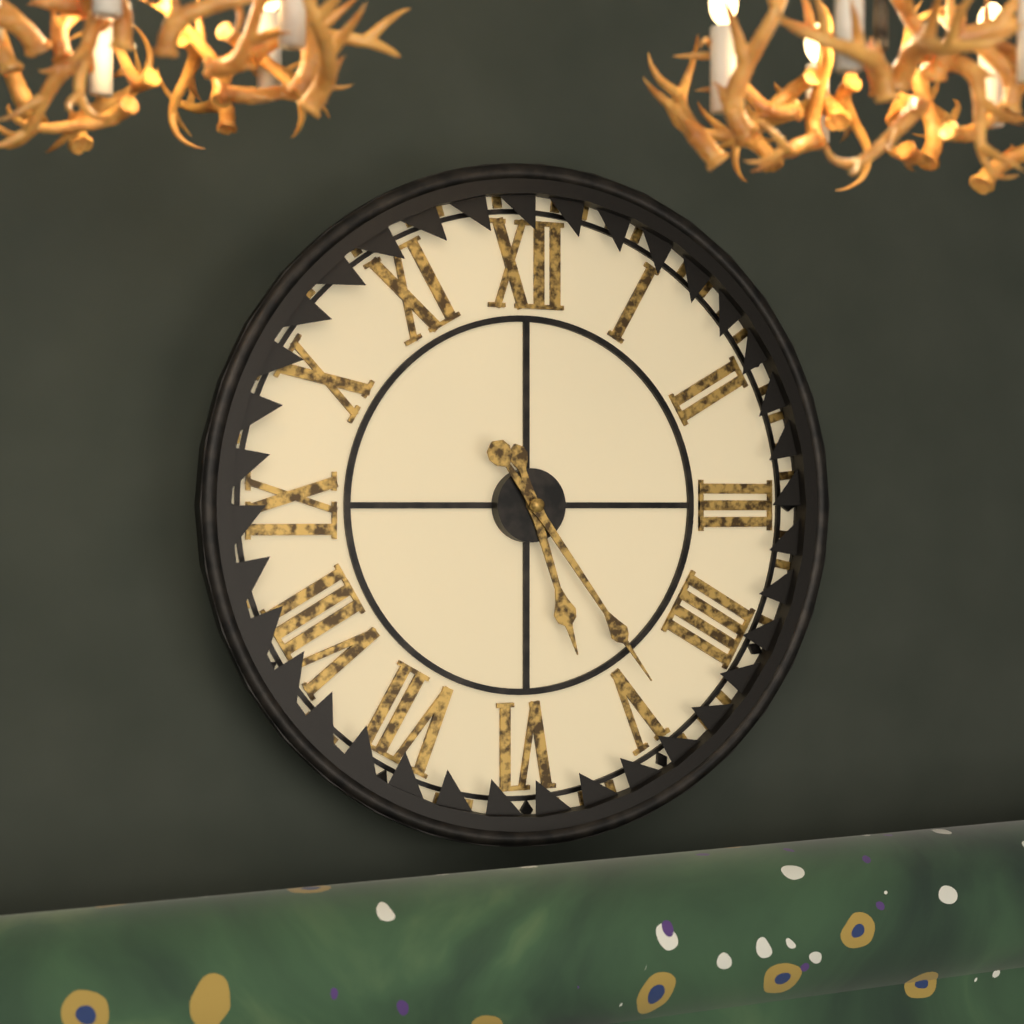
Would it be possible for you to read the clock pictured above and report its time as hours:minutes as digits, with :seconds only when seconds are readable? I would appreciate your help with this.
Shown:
5:24
